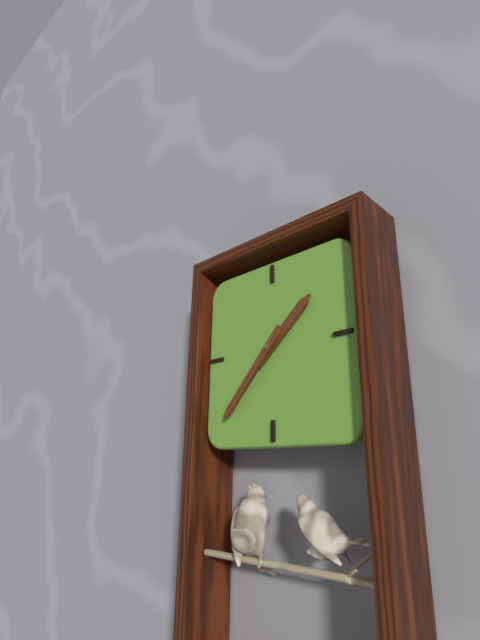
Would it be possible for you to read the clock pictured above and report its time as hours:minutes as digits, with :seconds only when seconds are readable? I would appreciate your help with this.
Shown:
1:37
